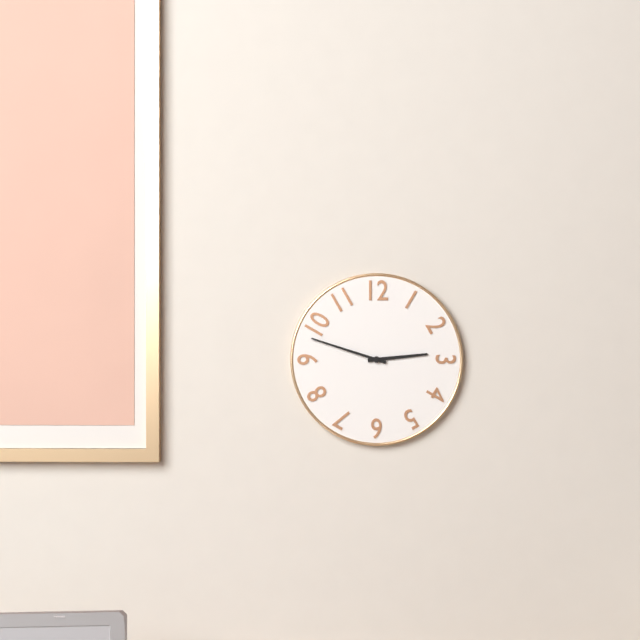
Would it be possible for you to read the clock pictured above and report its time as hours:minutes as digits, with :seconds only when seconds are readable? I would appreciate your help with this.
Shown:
2:48
